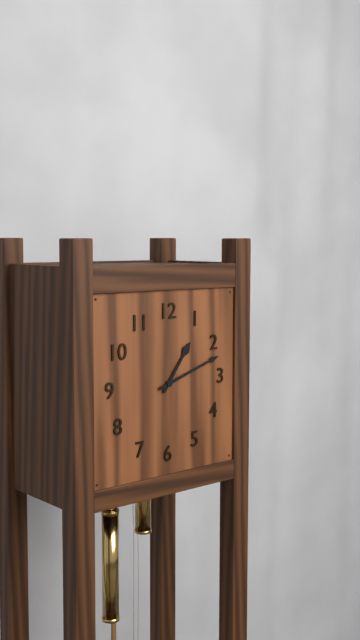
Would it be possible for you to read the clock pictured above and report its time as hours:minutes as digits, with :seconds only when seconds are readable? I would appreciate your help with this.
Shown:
1:12
